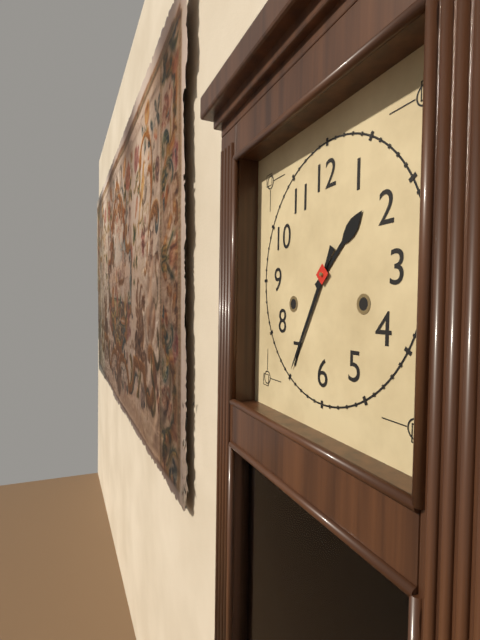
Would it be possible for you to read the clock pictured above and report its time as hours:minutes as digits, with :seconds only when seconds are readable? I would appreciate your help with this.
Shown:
1:35
